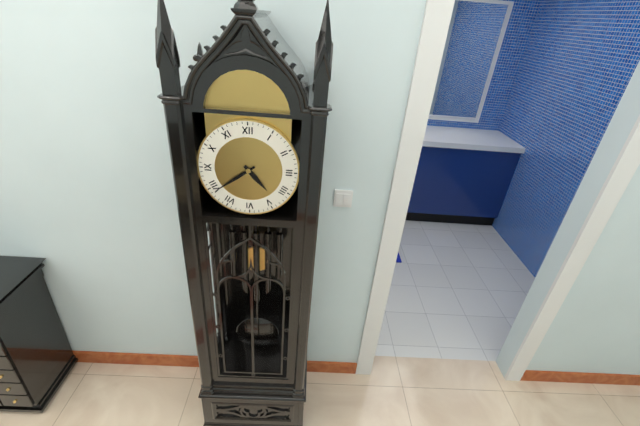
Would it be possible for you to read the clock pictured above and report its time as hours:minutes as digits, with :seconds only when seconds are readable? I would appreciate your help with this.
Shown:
4:39
